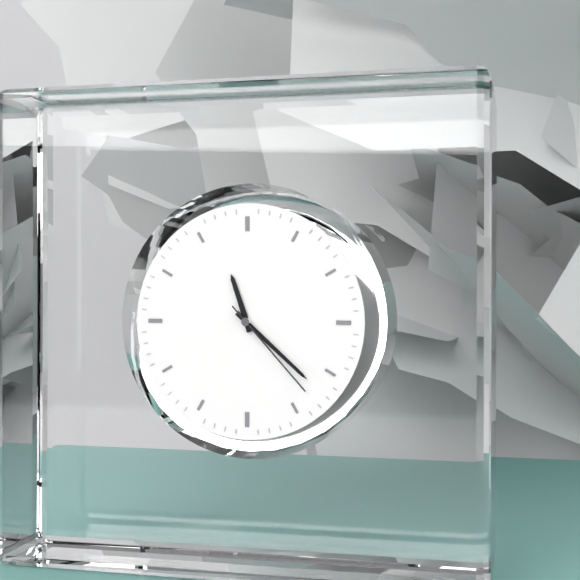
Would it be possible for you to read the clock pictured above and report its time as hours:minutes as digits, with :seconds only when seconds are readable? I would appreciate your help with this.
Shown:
11:22:23
